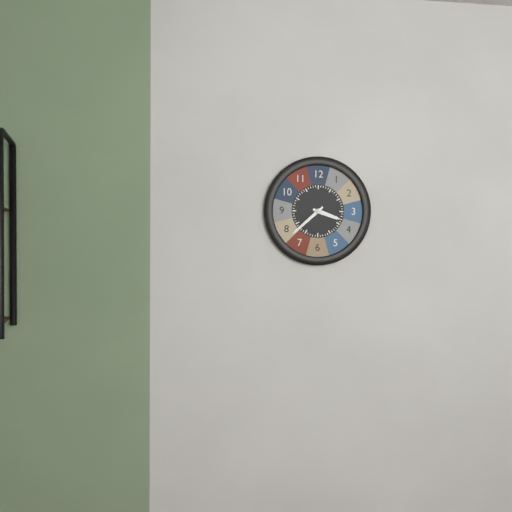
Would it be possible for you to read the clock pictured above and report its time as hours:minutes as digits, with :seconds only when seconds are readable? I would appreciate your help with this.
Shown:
3:38
